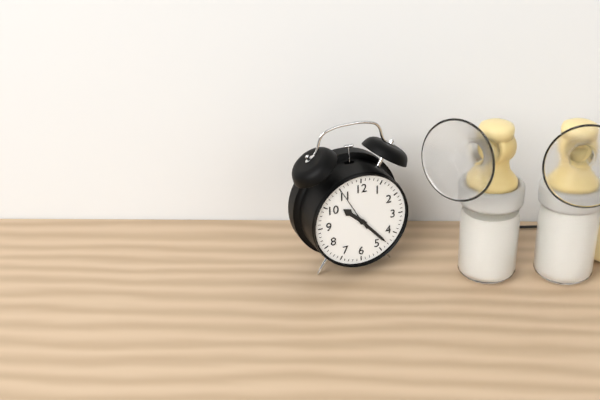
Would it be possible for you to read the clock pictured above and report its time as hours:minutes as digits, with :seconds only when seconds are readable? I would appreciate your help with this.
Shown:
10:23
